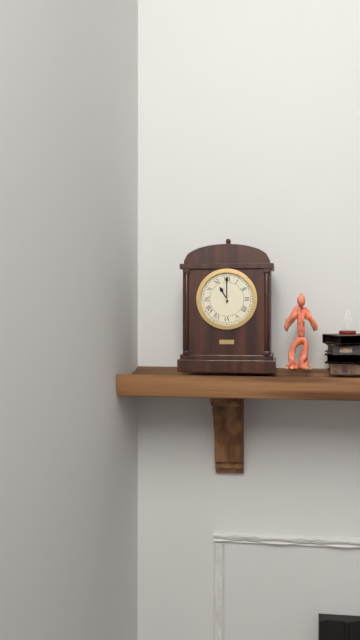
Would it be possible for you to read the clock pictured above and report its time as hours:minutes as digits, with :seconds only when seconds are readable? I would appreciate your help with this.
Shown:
11:00
